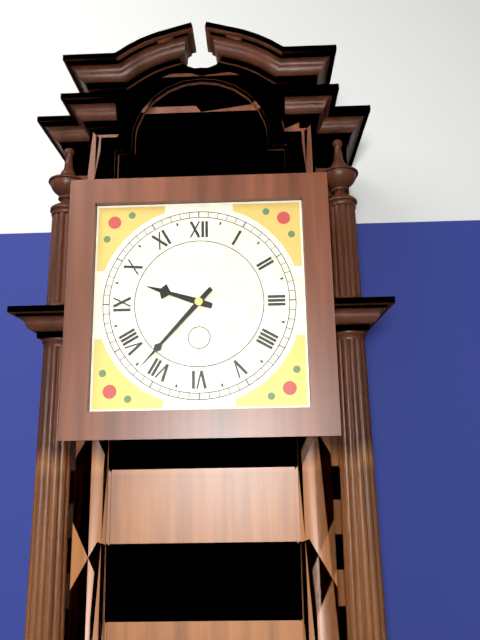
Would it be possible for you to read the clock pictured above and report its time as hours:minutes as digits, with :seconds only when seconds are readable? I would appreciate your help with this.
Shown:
9:37
